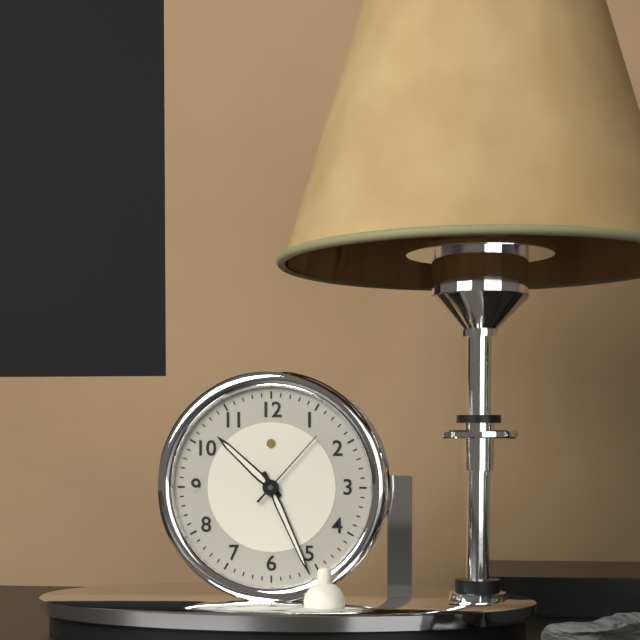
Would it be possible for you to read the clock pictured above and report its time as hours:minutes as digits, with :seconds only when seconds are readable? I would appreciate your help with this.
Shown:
10:26:07
